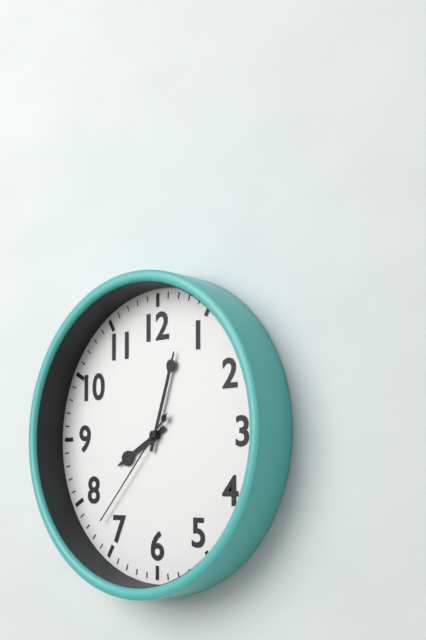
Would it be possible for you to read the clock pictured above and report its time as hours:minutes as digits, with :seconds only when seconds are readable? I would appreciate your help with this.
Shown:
8:03:37
